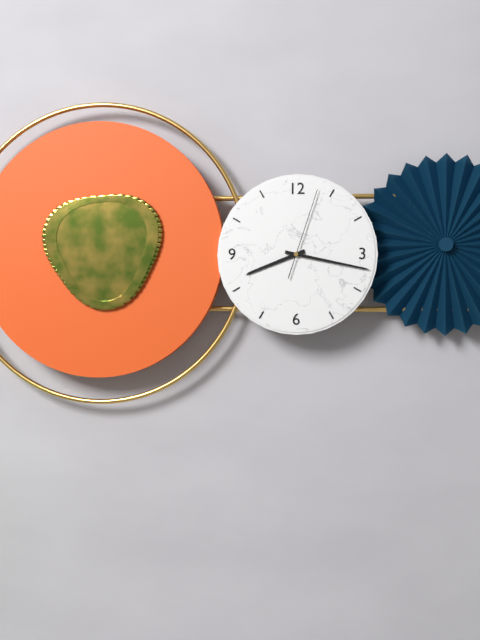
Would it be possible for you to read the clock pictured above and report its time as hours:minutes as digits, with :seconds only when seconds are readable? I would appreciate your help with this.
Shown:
8:17:03
